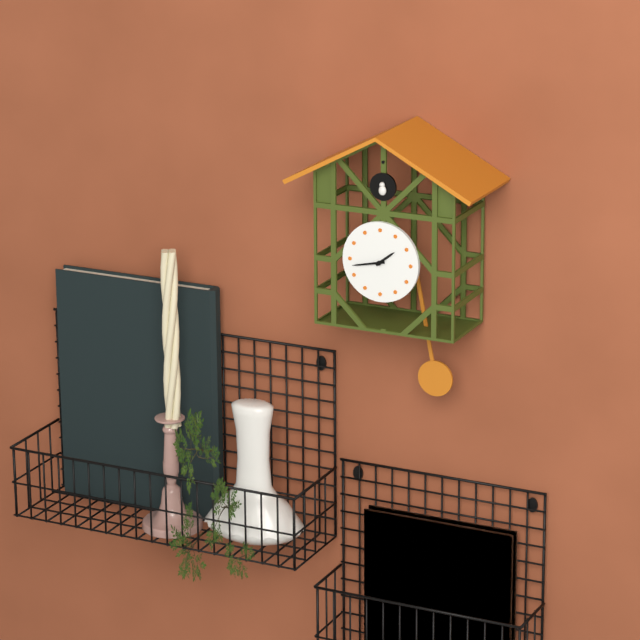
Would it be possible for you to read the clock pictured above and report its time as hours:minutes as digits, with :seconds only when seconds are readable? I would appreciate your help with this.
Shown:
1:43
